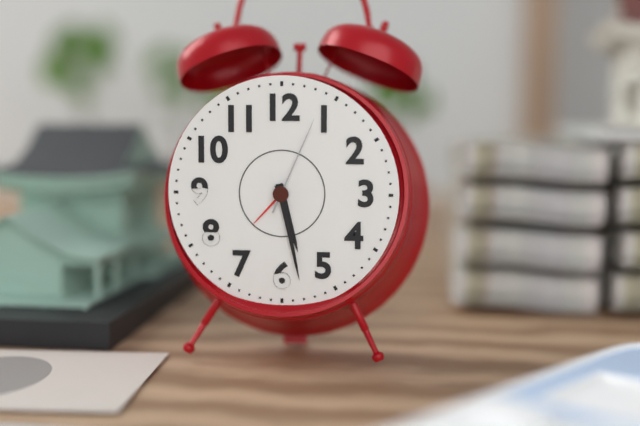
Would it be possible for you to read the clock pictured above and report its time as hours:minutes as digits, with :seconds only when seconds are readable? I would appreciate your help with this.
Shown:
5:28:04
